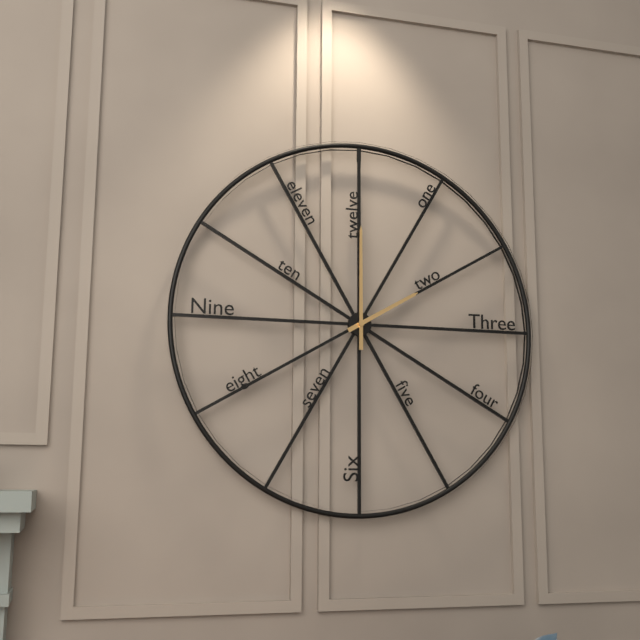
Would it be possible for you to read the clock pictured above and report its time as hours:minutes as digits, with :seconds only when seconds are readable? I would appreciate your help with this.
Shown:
2:00
